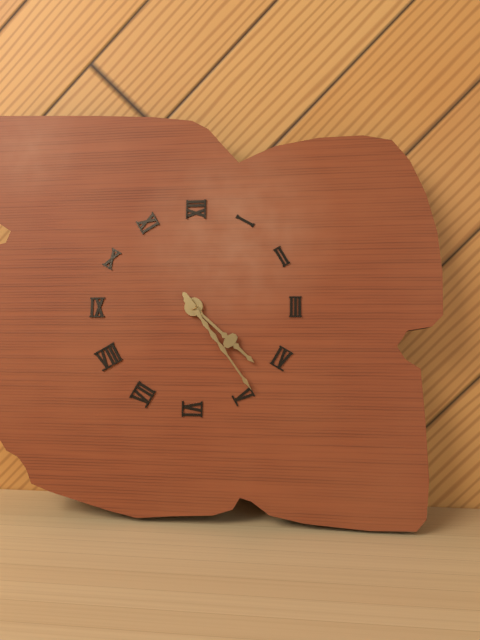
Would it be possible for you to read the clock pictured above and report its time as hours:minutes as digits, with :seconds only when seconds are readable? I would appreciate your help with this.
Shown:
4:24
